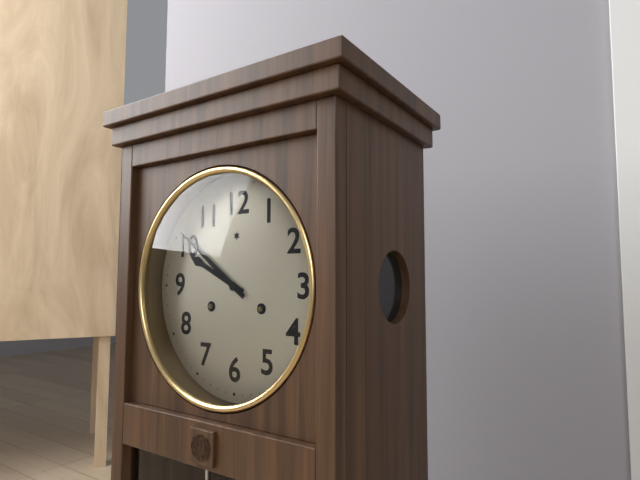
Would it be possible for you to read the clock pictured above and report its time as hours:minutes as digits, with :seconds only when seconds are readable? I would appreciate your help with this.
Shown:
9:51
